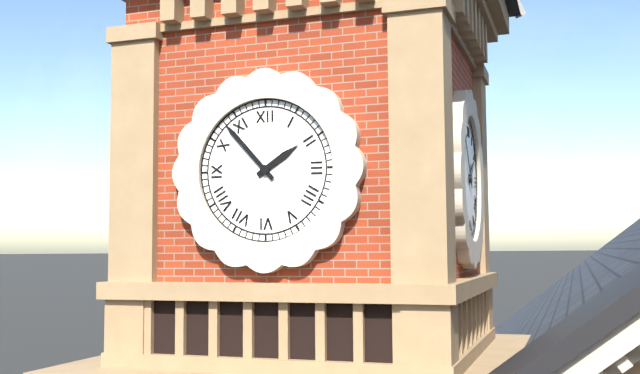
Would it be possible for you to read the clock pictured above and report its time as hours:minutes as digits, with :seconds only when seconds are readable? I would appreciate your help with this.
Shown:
1:53
